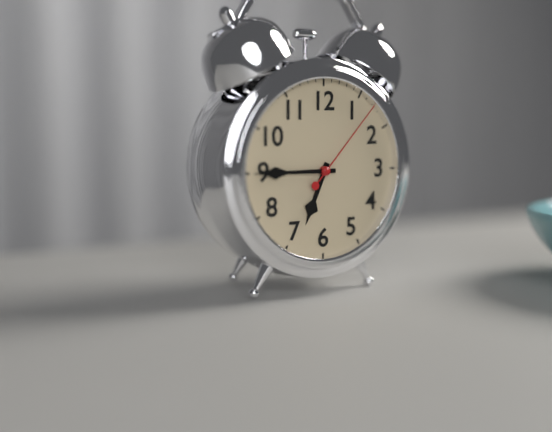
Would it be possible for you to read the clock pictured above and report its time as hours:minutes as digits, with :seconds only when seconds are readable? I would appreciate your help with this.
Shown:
6:45:07
